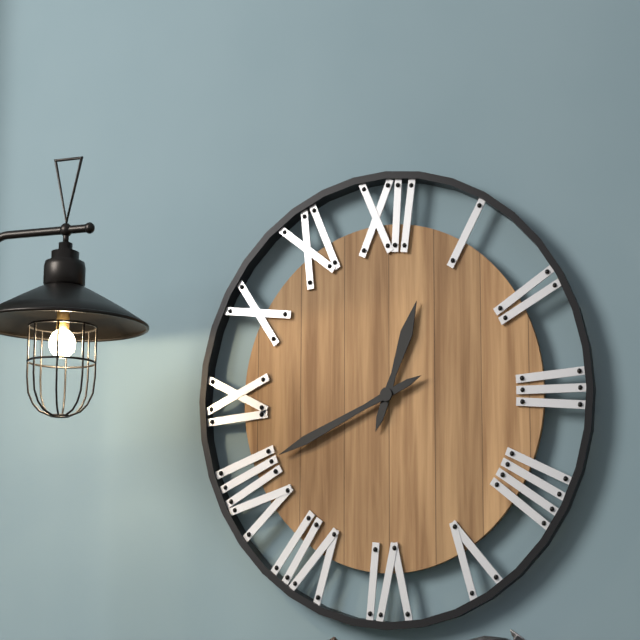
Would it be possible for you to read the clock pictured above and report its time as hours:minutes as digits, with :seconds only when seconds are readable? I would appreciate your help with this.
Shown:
12:41
